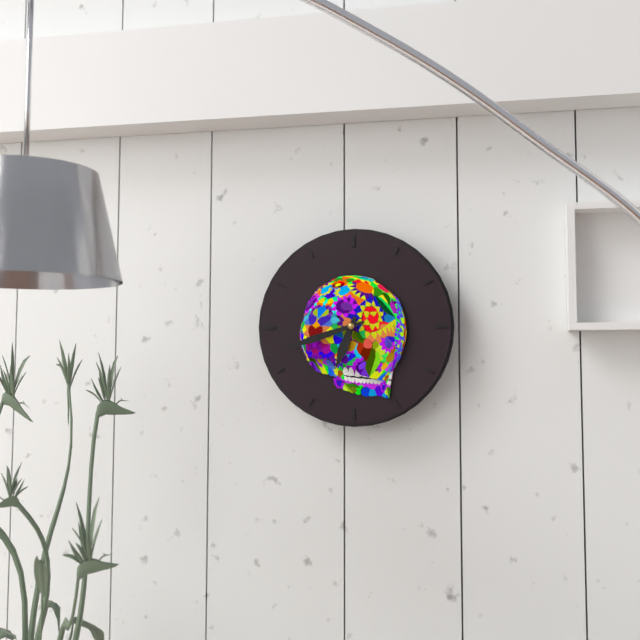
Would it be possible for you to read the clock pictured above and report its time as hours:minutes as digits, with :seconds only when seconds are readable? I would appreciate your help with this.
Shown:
6:42
